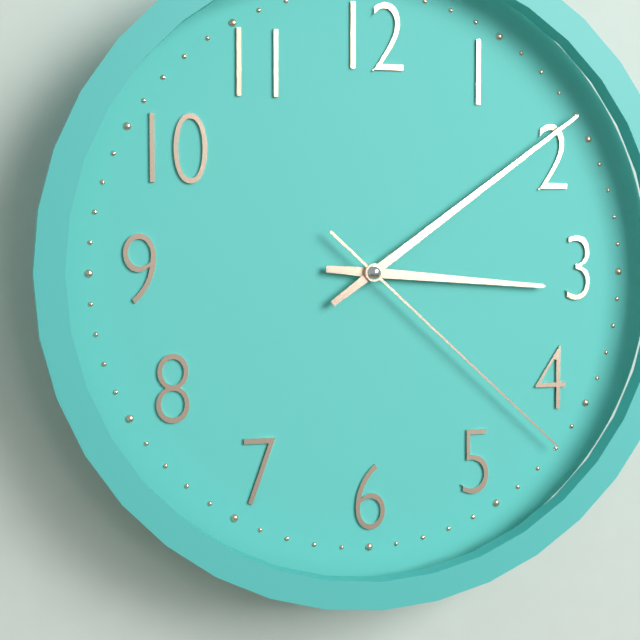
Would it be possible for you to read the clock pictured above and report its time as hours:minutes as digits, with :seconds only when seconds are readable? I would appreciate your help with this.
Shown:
3:09:22
